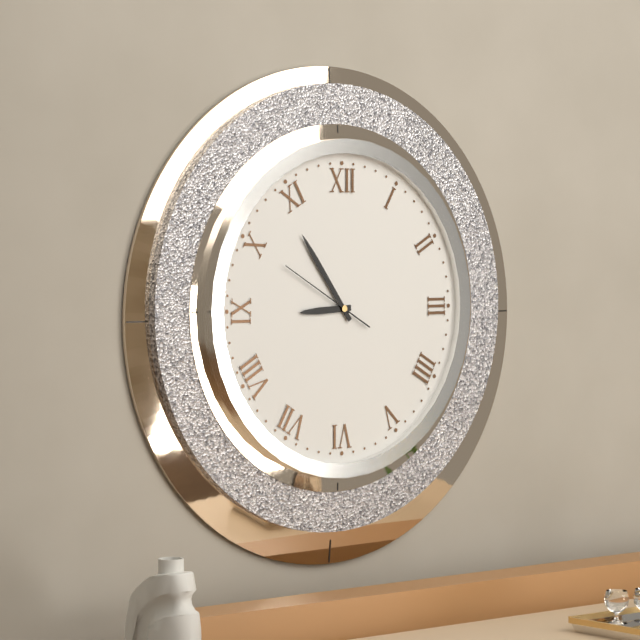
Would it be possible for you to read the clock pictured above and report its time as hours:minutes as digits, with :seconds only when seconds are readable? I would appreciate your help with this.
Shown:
8:54:50
